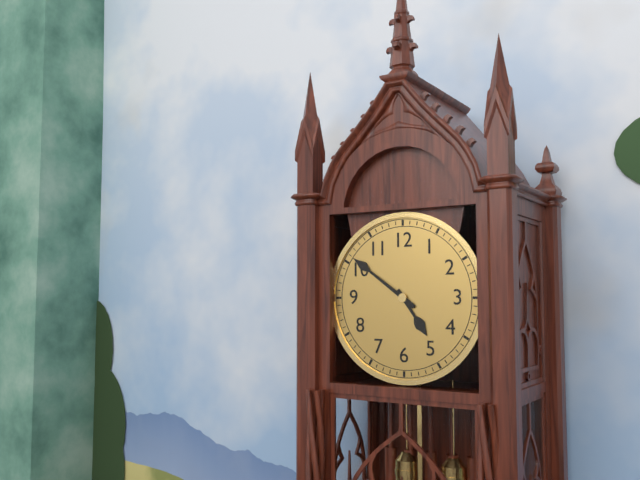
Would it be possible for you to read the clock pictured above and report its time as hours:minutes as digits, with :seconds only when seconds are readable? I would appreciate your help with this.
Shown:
4:51
